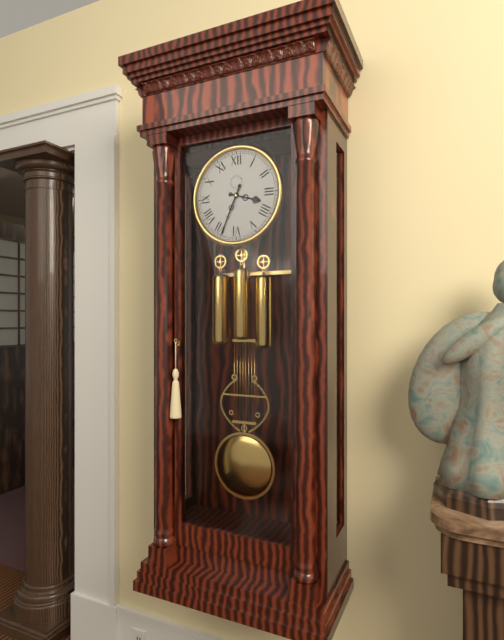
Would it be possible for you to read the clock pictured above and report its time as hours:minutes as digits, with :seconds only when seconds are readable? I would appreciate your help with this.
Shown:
3:34
